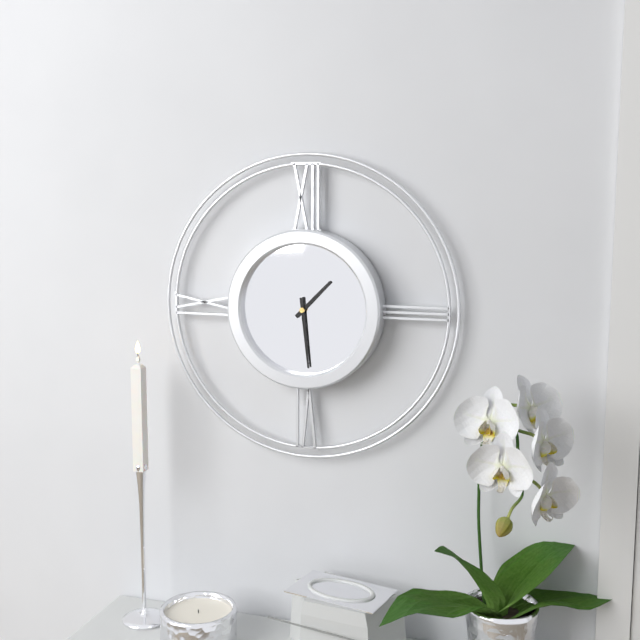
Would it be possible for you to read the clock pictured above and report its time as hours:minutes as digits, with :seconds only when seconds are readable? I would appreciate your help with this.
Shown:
1:29
